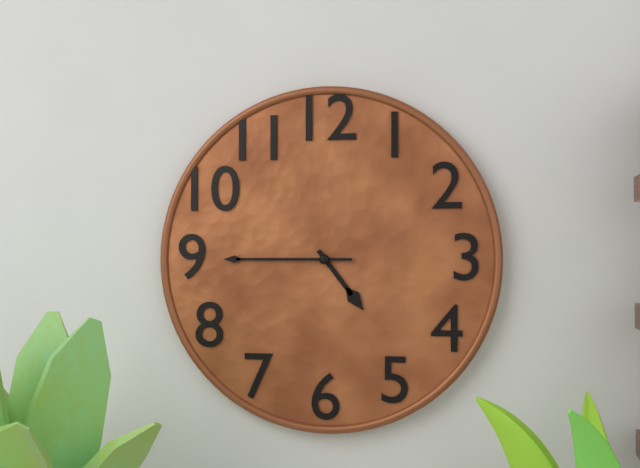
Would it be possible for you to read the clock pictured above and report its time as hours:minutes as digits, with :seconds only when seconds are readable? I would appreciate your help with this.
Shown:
4:45
